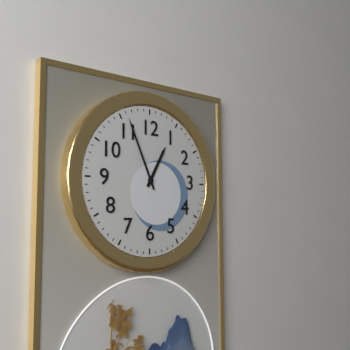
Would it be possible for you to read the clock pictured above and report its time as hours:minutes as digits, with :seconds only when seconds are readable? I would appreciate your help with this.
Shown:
12:56
